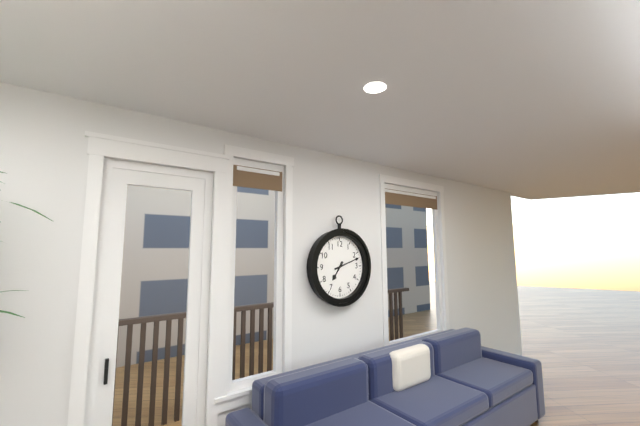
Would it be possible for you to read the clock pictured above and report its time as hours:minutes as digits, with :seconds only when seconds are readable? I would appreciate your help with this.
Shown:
7:12
